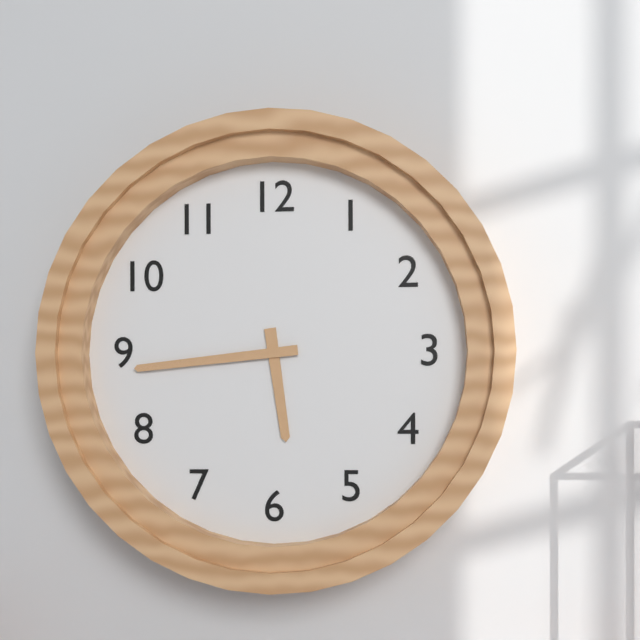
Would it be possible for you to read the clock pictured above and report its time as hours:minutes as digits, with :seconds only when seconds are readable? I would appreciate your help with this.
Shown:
5:44
